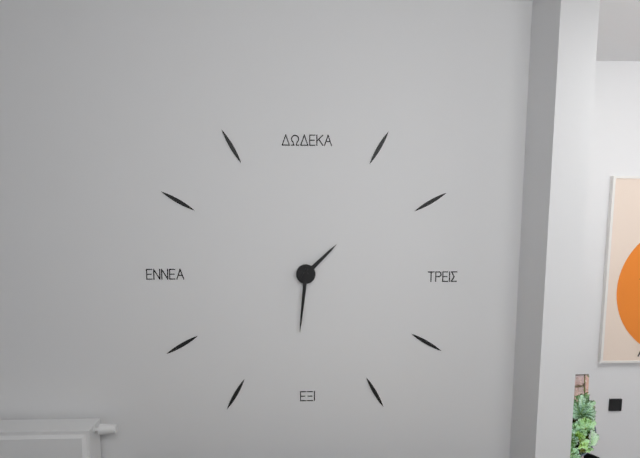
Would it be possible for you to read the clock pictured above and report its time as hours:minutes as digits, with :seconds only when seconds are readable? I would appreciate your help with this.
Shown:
1:31
